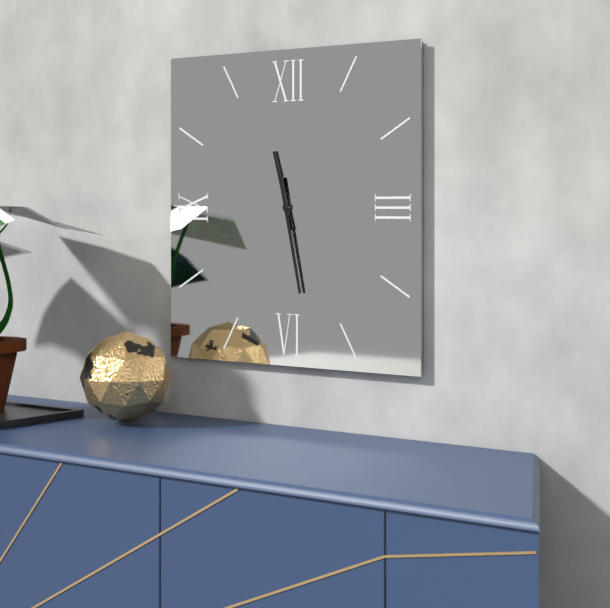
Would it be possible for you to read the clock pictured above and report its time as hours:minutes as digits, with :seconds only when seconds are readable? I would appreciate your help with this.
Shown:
11:28
